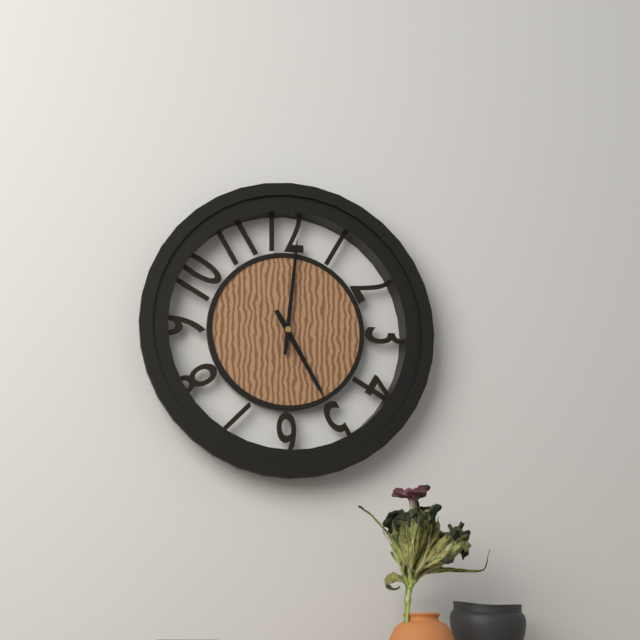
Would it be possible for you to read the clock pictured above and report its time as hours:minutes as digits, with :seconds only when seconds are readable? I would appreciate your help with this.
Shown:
5:01
